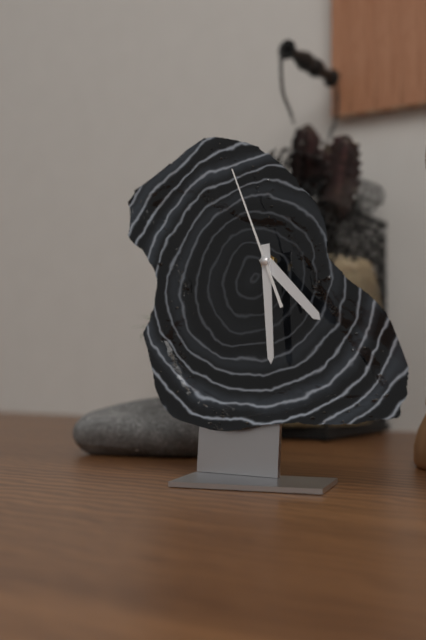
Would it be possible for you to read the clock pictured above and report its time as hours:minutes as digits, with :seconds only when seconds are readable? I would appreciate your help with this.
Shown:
4:29:56
